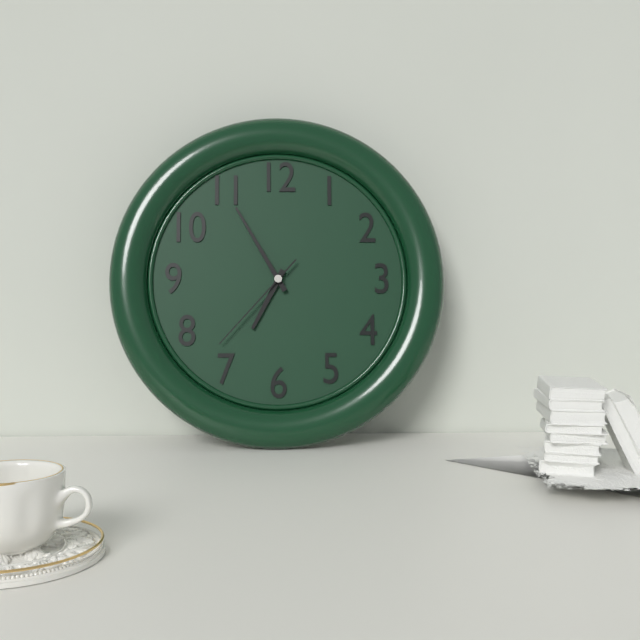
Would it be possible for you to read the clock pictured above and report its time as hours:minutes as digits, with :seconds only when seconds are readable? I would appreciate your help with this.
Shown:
6:55:37
